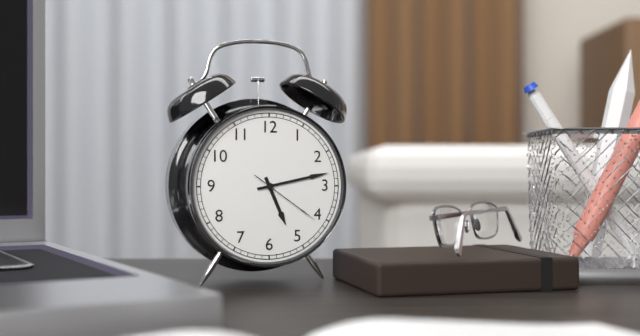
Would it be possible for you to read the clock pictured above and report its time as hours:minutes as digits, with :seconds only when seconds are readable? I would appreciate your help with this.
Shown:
5:13:21
